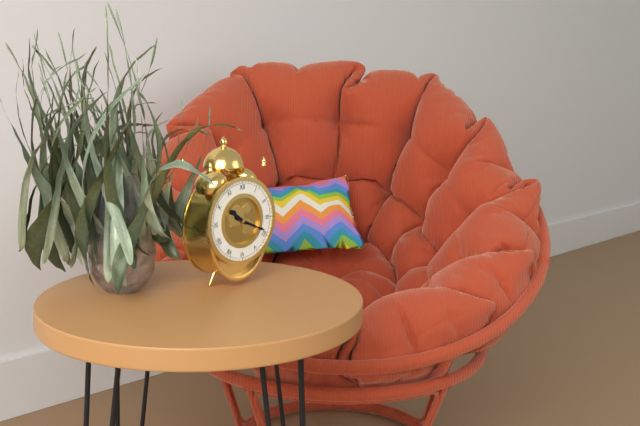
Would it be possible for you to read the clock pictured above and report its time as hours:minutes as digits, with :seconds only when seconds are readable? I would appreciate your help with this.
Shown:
10:19
